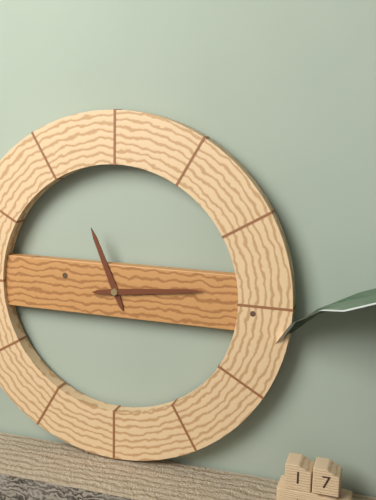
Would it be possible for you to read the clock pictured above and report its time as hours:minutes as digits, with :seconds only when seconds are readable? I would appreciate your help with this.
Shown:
11:14
